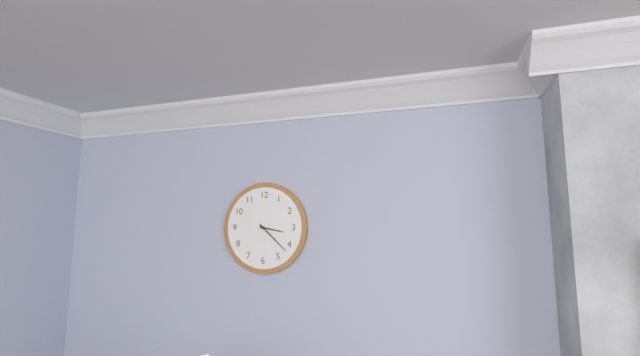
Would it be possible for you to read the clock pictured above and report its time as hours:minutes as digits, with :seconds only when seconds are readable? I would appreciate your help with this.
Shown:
3:22
